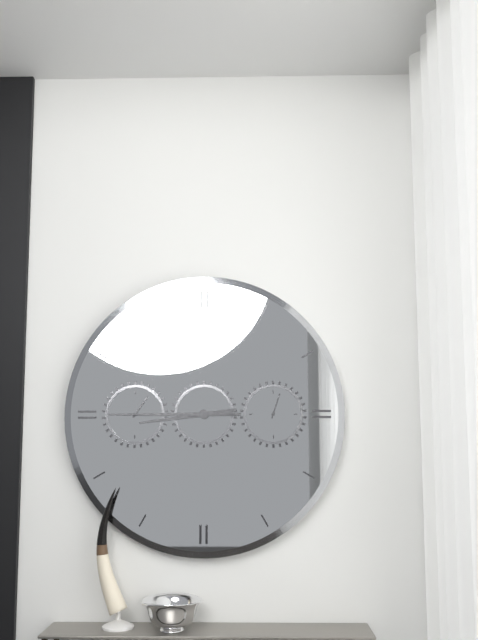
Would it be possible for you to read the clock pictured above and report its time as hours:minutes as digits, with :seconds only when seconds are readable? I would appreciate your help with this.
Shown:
8:45
